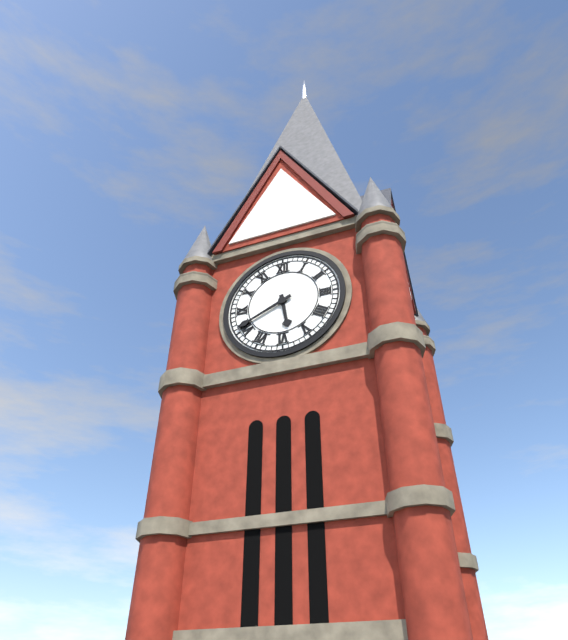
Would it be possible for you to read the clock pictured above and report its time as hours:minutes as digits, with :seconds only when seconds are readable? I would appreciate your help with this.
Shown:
5:41
